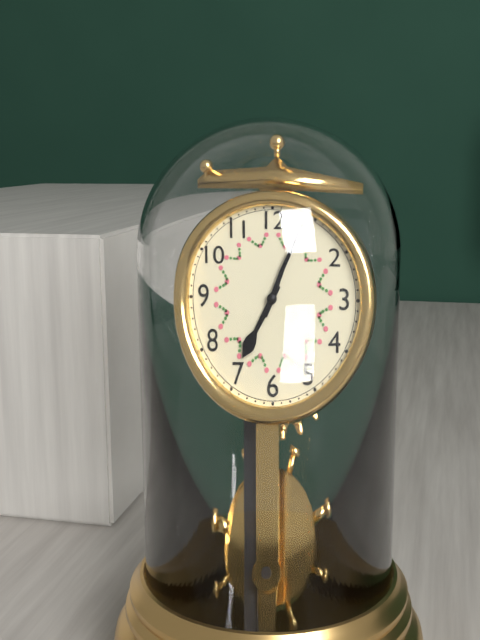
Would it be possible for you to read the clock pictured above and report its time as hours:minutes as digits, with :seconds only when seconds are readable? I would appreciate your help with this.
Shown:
7:04
